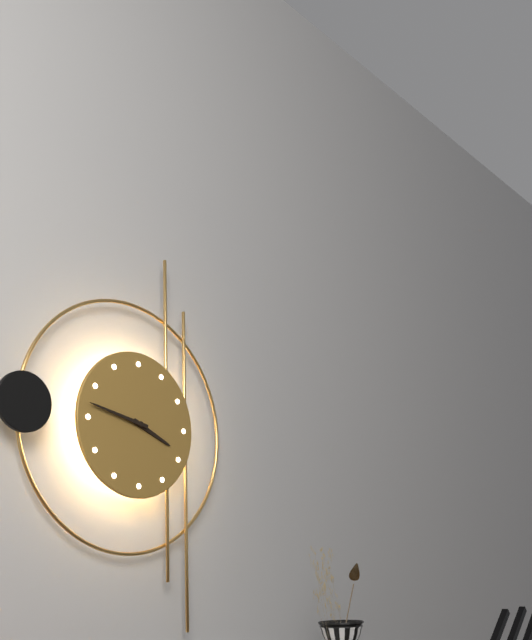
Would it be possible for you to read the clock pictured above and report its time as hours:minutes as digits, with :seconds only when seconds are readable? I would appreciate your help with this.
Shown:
3:47
